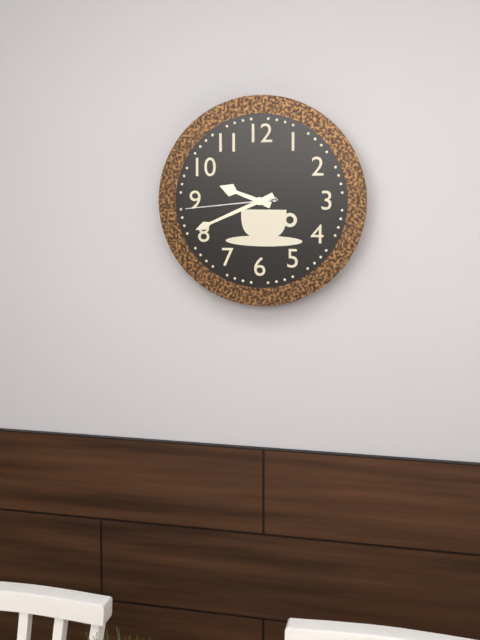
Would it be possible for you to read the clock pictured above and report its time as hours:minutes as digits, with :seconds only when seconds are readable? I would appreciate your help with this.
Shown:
9:41:44
